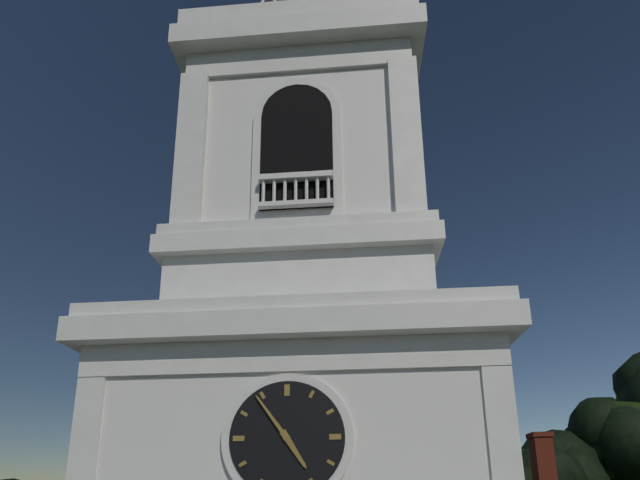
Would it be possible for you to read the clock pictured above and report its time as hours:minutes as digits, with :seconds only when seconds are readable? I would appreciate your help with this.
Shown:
4:54
